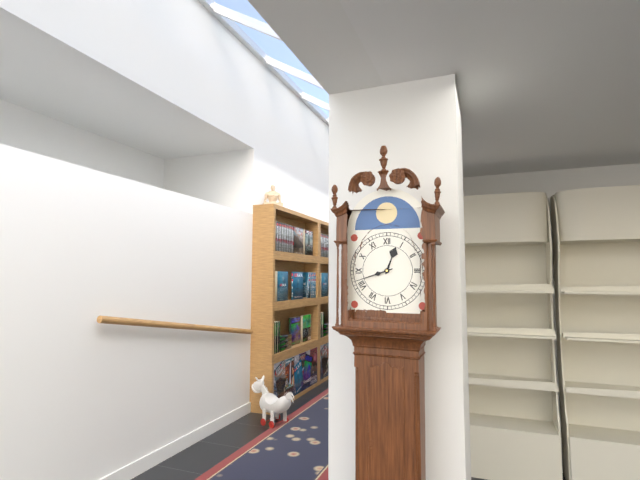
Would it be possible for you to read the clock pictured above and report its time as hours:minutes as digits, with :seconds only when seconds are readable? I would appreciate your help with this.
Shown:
12:42
